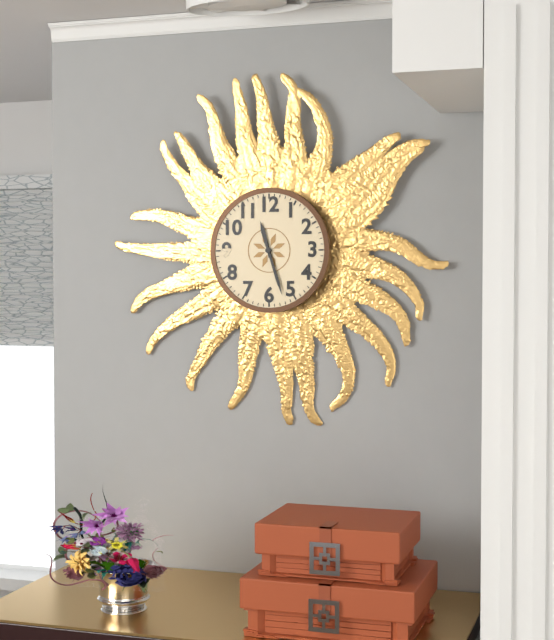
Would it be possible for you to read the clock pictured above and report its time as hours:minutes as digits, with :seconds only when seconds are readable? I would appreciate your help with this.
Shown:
11:27
